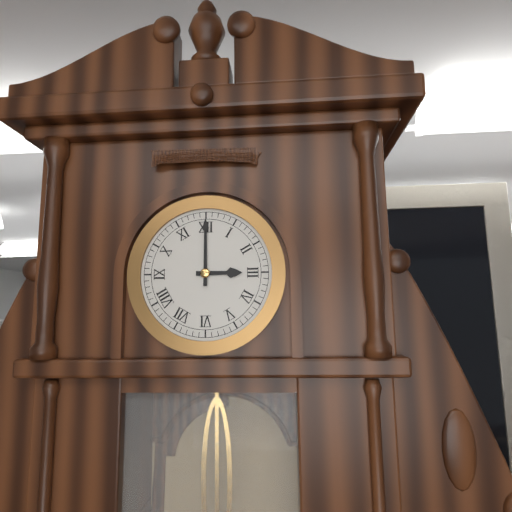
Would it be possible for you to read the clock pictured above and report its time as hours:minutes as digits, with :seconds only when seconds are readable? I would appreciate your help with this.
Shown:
3:00
